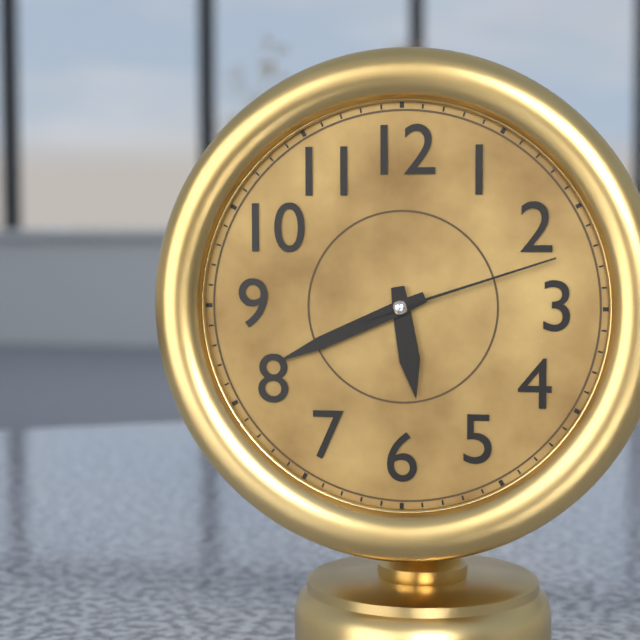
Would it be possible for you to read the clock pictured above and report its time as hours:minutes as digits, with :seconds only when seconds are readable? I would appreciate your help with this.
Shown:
5:41:12
